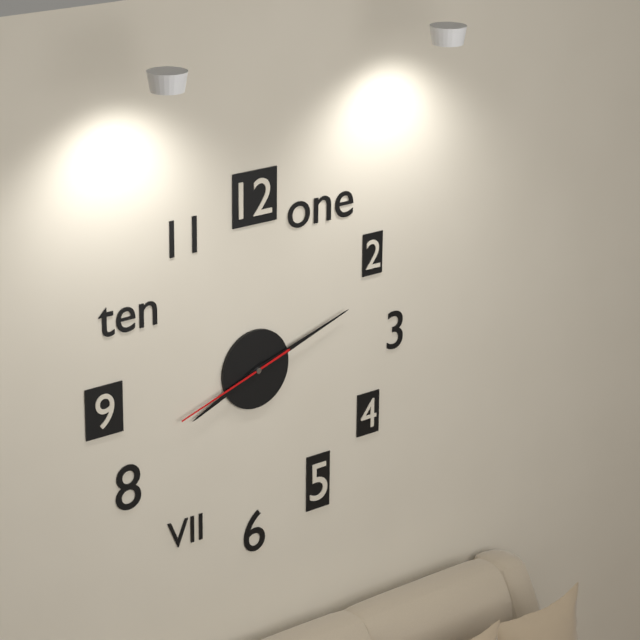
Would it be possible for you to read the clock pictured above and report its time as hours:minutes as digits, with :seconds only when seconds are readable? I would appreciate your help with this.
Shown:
8:12:42
